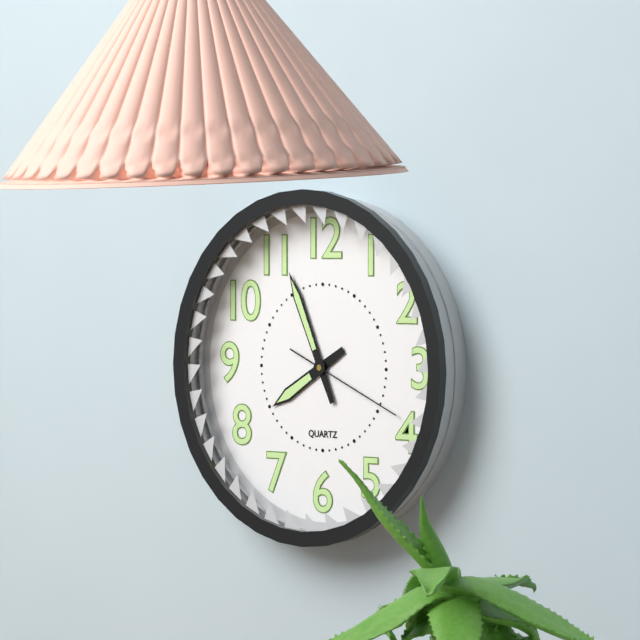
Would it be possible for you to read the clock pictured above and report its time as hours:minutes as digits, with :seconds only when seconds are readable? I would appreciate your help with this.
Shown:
7:56:19
